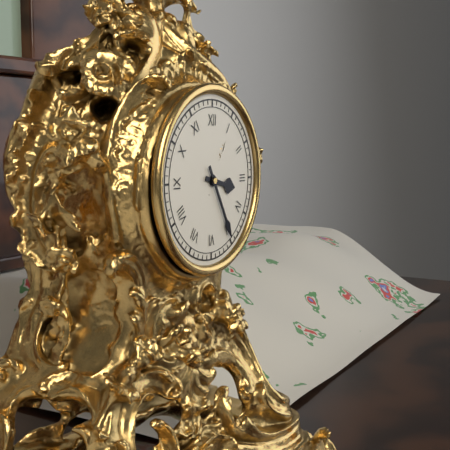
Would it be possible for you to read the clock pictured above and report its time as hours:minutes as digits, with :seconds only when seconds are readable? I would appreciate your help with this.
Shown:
3:25
